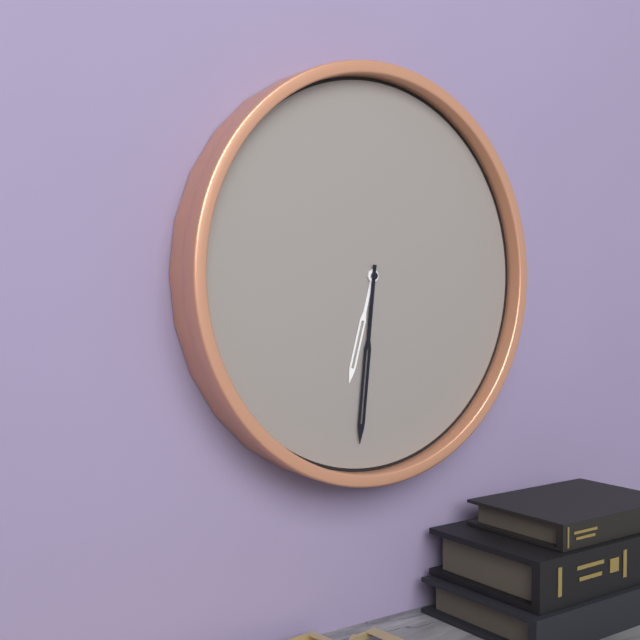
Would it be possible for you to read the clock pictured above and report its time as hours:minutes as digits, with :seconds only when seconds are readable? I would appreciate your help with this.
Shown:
6:31
